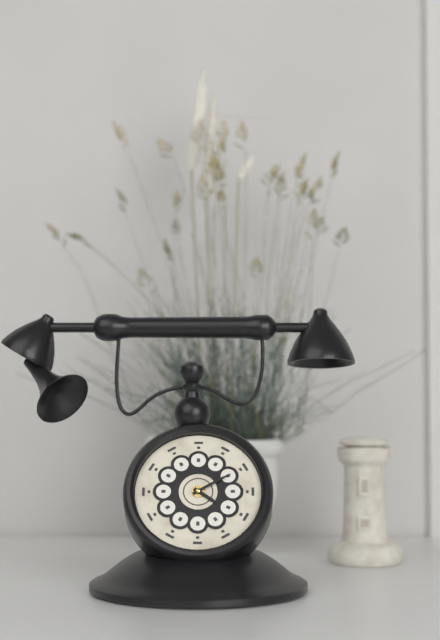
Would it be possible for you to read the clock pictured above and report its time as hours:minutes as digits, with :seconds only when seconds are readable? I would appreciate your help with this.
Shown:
4:10
